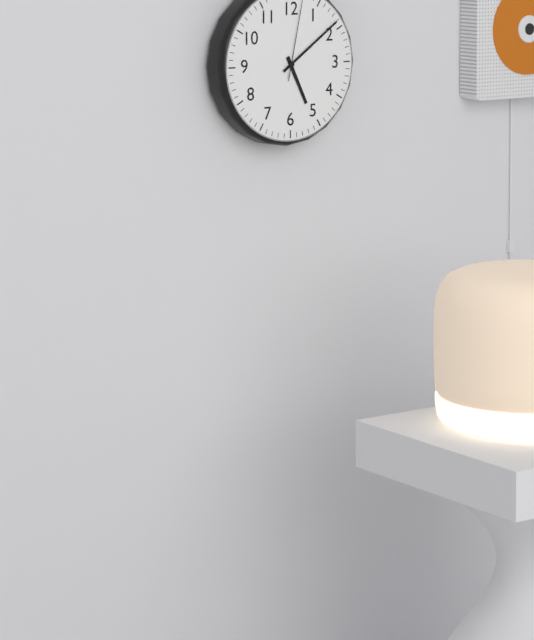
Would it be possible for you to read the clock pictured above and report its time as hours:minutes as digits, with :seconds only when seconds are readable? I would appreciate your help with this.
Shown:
5:09:02
